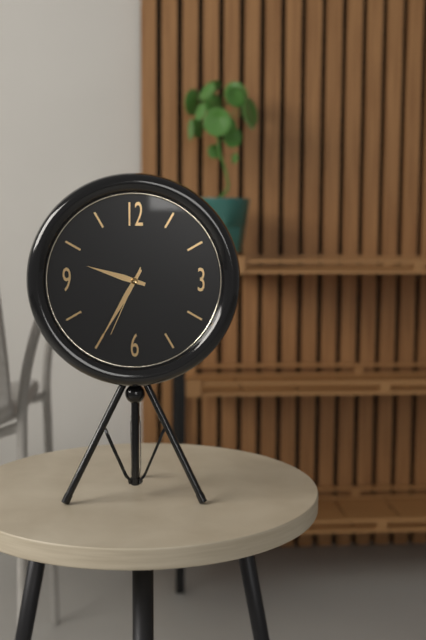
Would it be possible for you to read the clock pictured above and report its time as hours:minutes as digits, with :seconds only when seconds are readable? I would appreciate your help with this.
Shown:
9:35:34
